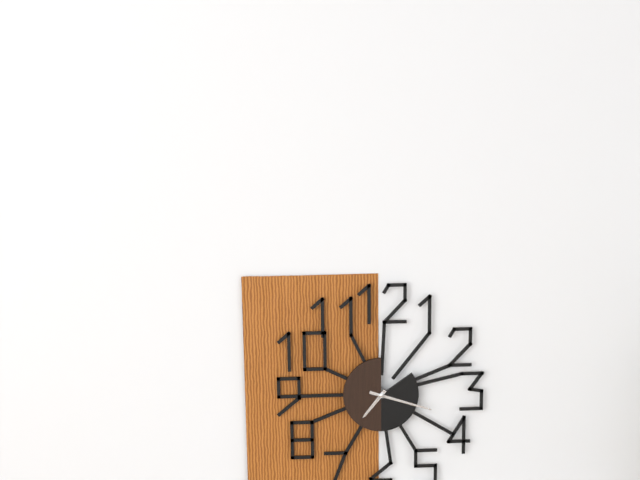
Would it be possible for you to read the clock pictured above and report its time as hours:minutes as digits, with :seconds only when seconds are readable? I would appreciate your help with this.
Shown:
7:18
